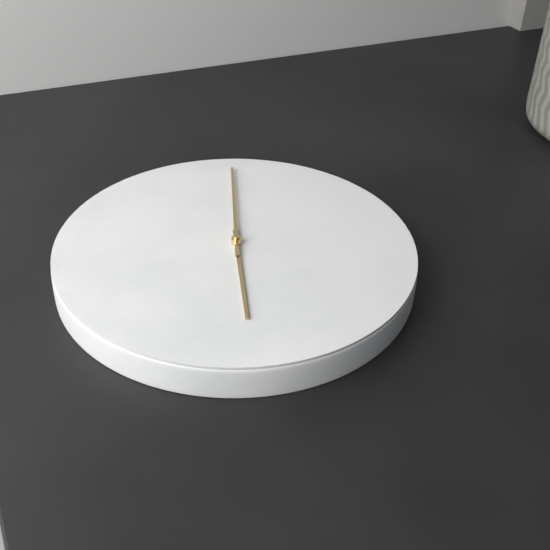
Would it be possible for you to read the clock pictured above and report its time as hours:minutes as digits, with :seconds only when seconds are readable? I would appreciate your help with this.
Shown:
4:55
